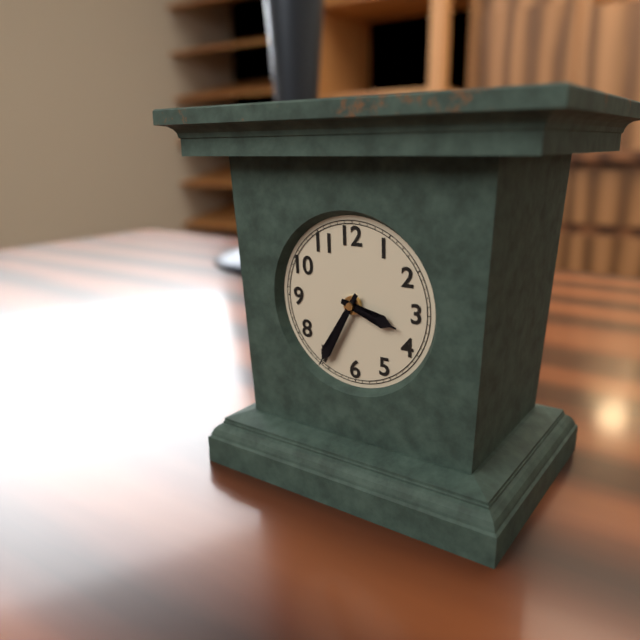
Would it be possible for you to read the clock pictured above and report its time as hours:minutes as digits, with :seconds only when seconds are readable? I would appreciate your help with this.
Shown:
3:35
